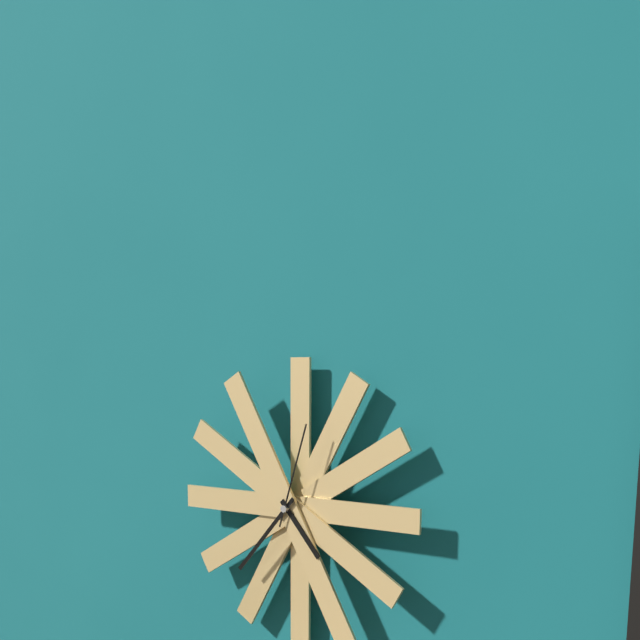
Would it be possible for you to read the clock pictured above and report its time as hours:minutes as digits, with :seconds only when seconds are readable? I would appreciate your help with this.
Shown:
4:37:03
